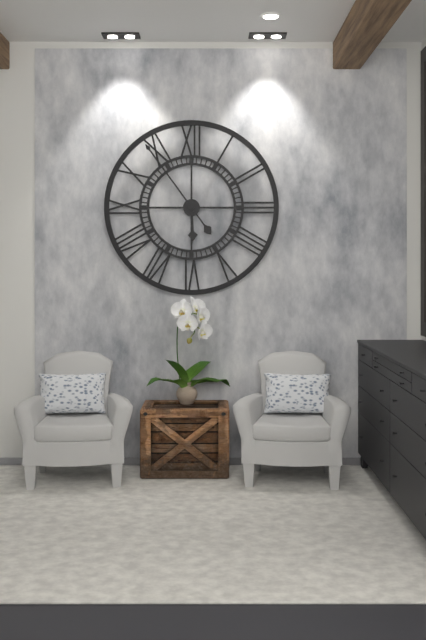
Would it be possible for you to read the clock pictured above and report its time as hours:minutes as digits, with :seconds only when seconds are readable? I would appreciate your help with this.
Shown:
5:54
